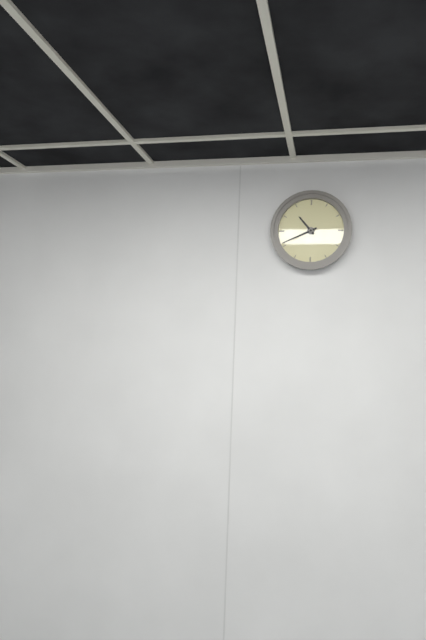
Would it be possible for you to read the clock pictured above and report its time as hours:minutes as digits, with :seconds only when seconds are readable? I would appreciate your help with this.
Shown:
10:41
